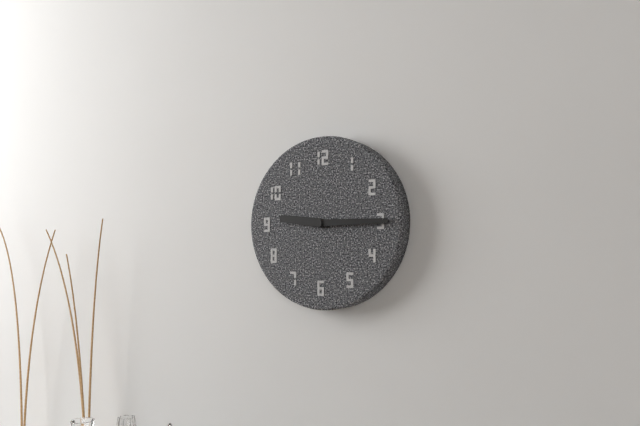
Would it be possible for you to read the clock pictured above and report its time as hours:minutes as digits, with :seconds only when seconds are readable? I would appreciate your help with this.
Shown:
9:15
